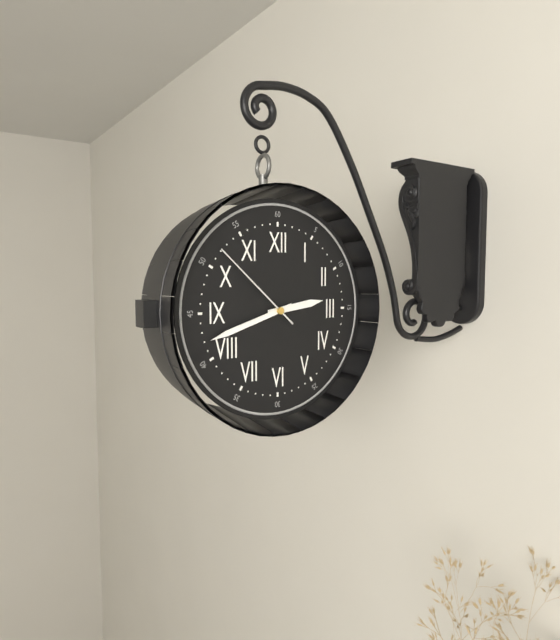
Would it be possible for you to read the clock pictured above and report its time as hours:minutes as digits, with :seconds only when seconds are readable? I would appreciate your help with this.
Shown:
2:42:52
